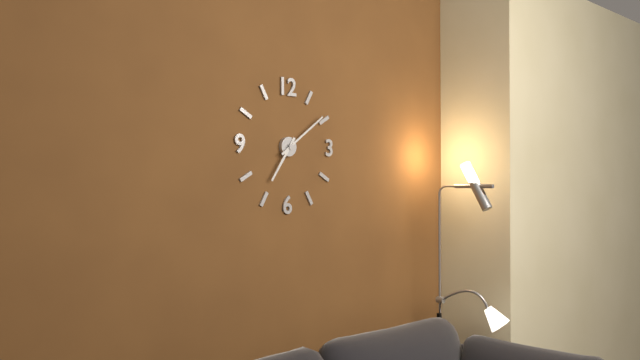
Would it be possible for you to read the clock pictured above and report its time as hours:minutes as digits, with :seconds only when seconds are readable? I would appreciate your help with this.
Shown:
7:09
